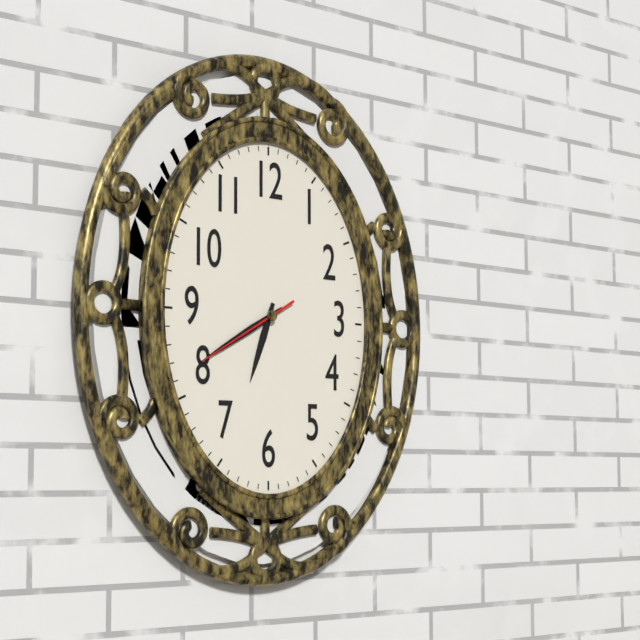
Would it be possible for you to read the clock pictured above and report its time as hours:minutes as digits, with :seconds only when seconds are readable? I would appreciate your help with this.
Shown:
6:40:40
